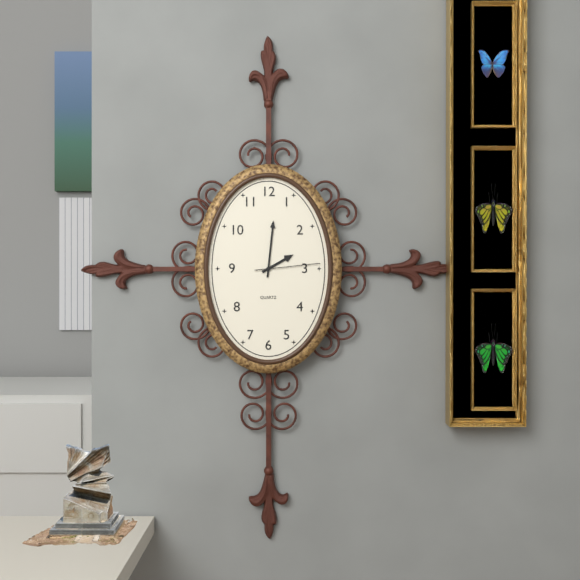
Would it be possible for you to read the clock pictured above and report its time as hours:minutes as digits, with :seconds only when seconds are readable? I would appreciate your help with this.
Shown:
2:01:14
